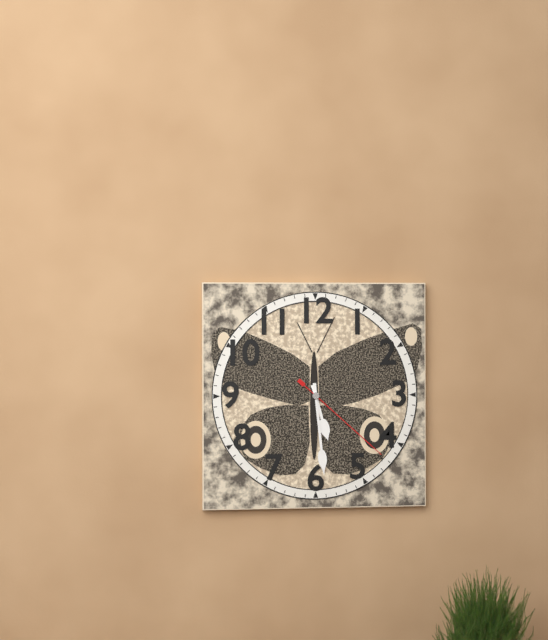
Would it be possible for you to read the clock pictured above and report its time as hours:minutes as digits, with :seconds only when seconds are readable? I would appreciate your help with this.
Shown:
5:29:22
